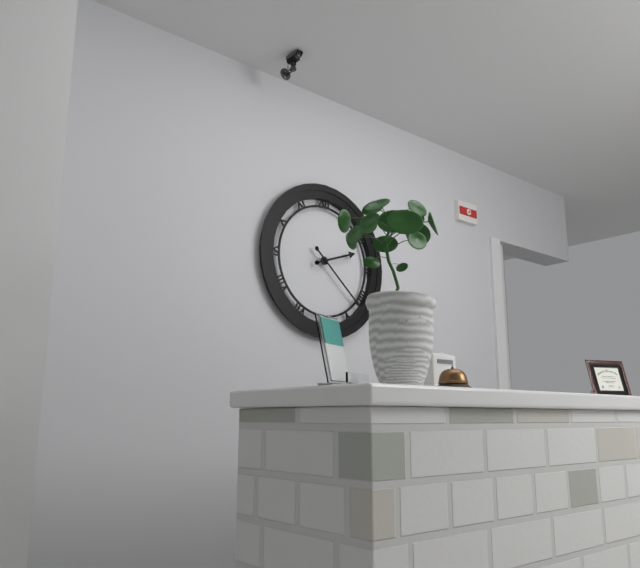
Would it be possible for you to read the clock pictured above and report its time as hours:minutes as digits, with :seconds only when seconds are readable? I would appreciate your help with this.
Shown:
2:22
